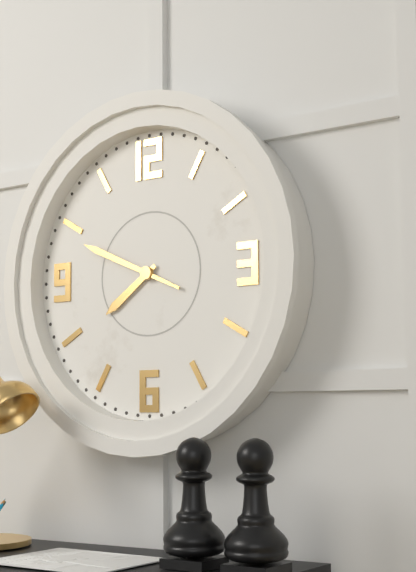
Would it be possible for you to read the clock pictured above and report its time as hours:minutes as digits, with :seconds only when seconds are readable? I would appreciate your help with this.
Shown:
7:49
